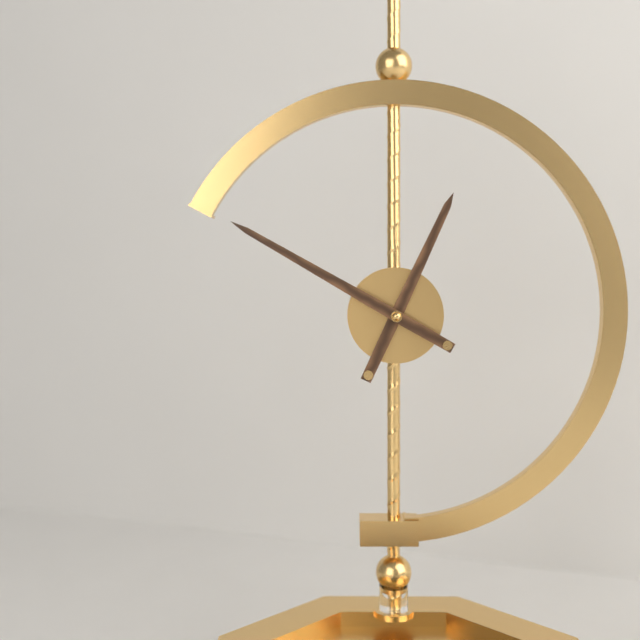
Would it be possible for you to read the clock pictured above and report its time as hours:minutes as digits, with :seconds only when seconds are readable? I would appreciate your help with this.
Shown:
12:50
